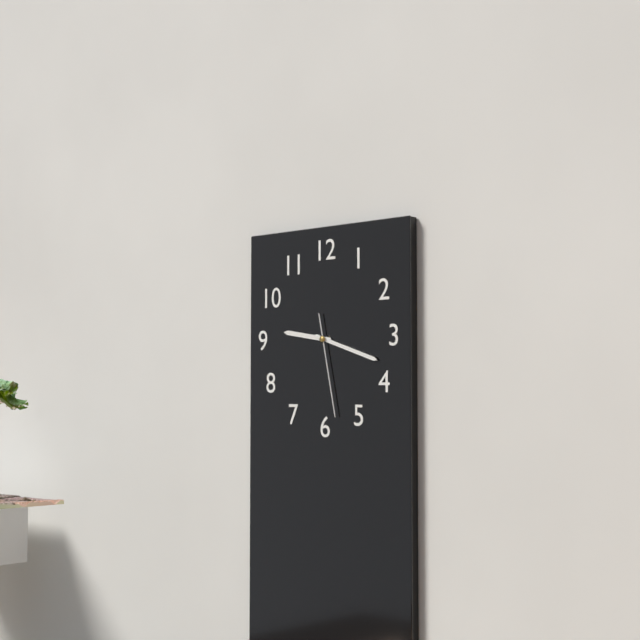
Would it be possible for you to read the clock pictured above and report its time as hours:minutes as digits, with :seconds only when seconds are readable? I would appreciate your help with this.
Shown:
9:18:28
